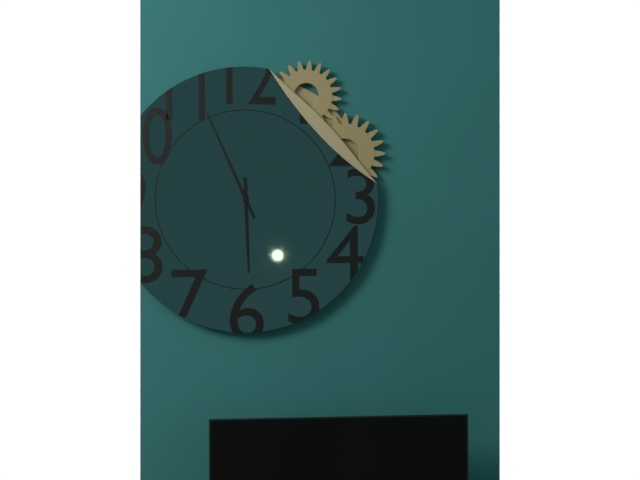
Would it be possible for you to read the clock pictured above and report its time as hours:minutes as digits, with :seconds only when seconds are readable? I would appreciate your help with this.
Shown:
5:56
